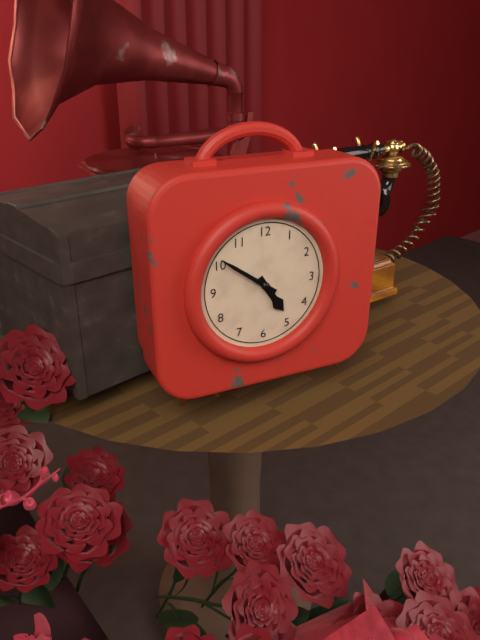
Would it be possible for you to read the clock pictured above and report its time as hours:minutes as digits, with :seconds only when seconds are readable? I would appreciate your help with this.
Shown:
4:51
